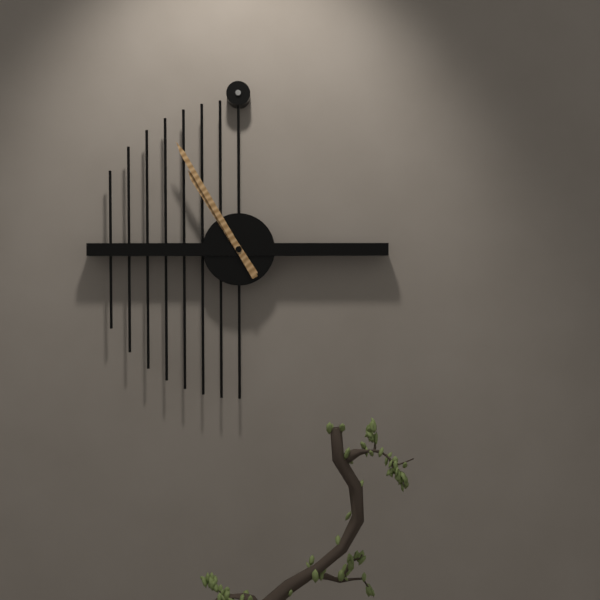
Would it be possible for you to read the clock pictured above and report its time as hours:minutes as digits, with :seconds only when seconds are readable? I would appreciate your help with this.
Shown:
10:55
